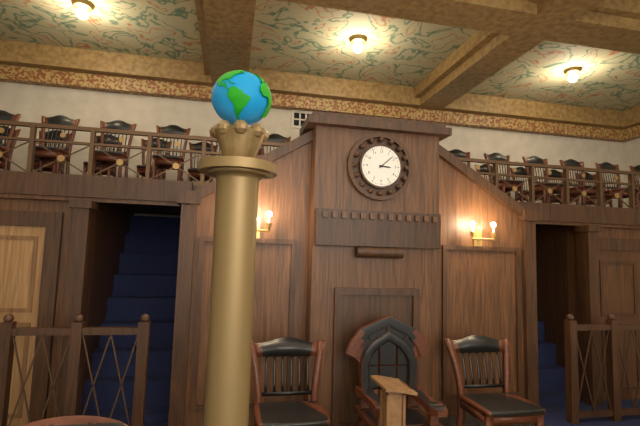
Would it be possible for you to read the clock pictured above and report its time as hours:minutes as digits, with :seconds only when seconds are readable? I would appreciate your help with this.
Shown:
3:08
